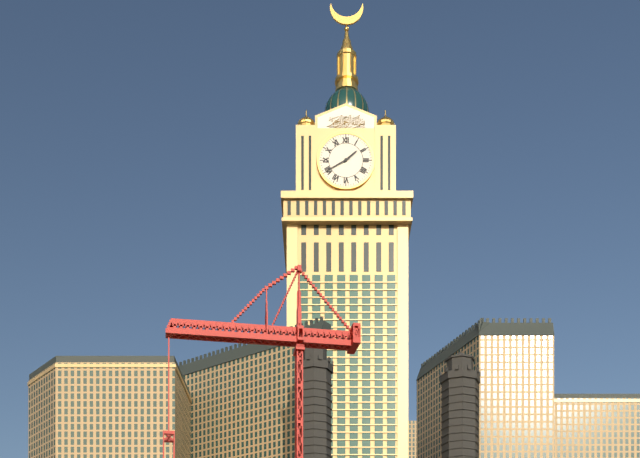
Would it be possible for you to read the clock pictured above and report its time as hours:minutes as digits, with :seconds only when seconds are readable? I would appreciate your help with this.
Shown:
1:40
